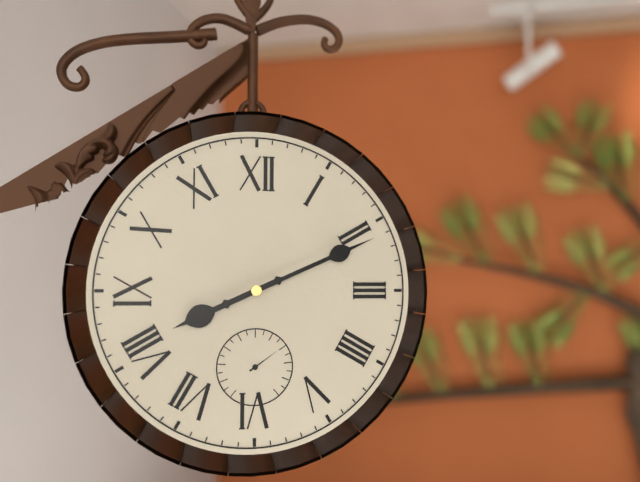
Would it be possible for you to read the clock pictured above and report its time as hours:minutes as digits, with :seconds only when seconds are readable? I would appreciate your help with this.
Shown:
8:11
